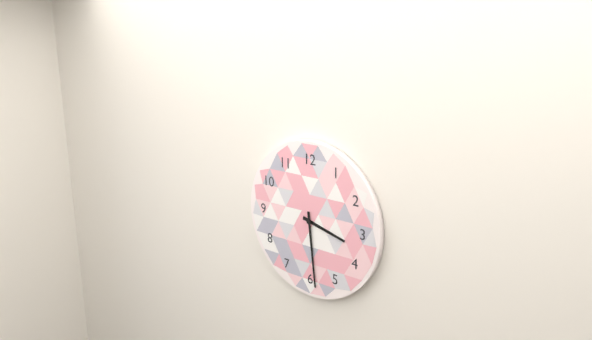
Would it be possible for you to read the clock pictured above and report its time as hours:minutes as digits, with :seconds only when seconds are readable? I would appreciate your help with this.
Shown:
3:29
